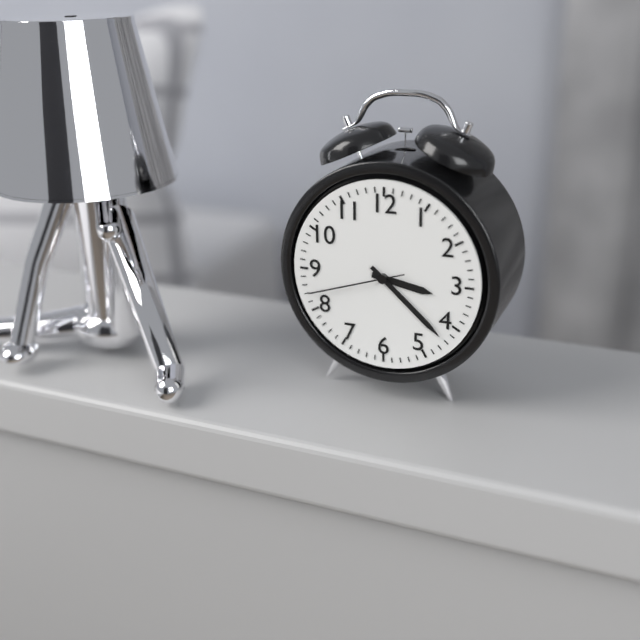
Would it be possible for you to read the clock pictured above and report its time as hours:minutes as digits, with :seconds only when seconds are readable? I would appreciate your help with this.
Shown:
3:22:42
